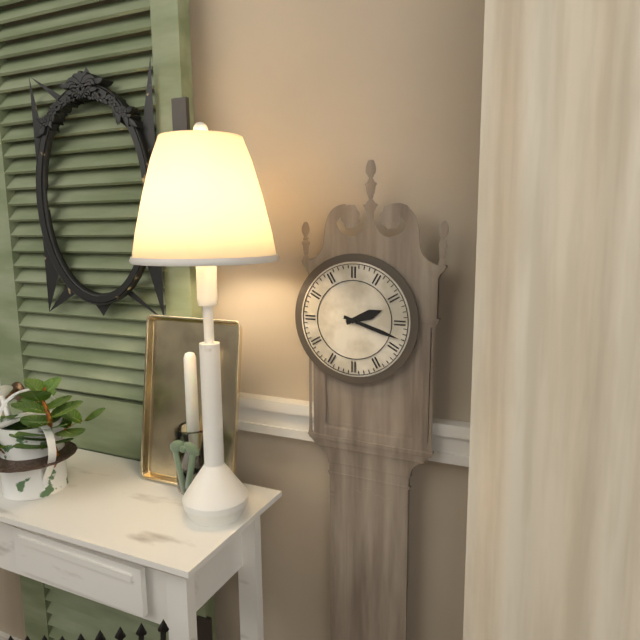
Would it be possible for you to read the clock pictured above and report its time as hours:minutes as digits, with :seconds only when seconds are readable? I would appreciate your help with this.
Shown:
2:18
